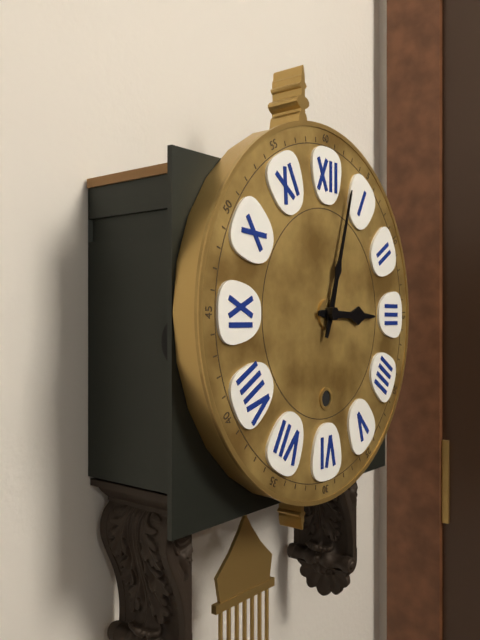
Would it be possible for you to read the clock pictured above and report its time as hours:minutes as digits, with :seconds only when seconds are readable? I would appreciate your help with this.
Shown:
3:03
